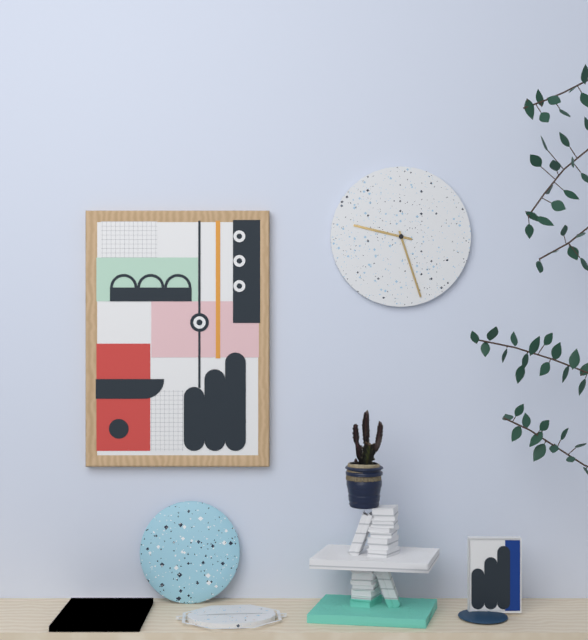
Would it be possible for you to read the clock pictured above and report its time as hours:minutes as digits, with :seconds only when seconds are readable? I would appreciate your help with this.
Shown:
9:27
